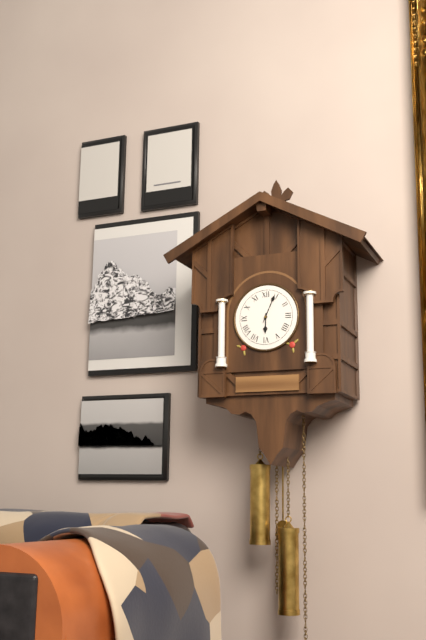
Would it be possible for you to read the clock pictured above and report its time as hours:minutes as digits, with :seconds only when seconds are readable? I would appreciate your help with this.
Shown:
6:04
